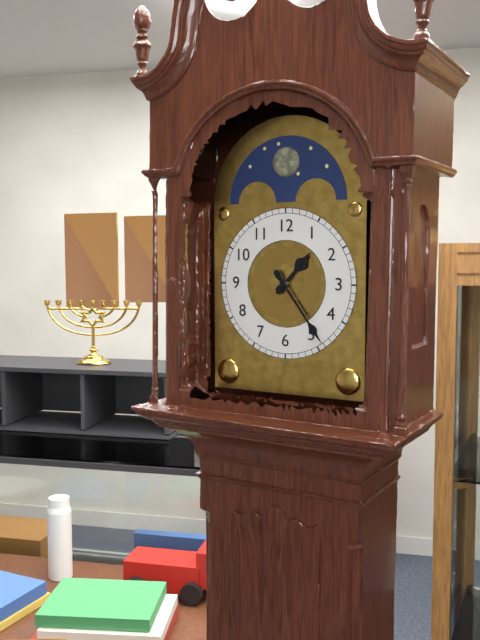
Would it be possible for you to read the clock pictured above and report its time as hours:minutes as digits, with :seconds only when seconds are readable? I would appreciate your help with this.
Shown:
1:24
